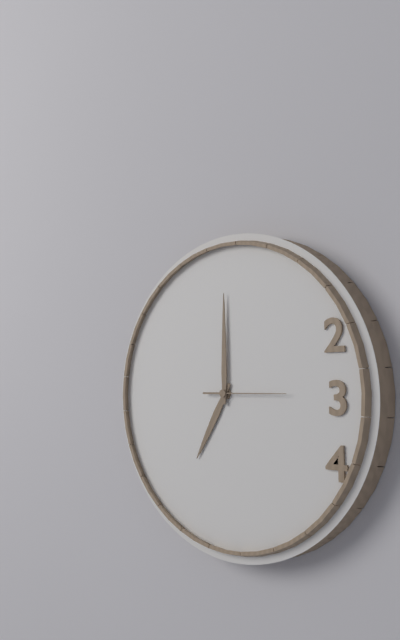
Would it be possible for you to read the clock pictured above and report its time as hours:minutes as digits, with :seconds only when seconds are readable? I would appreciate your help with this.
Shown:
7:00:15
